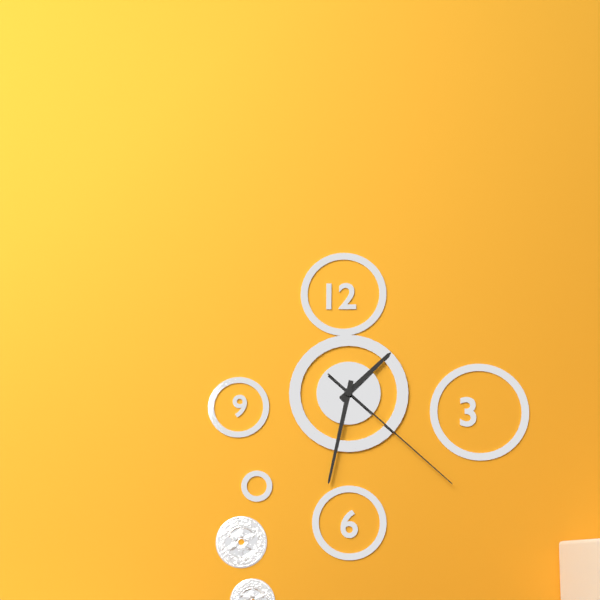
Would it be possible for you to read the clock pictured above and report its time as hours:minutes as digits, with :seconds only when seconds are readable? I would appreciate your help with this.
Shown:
1:32:22
